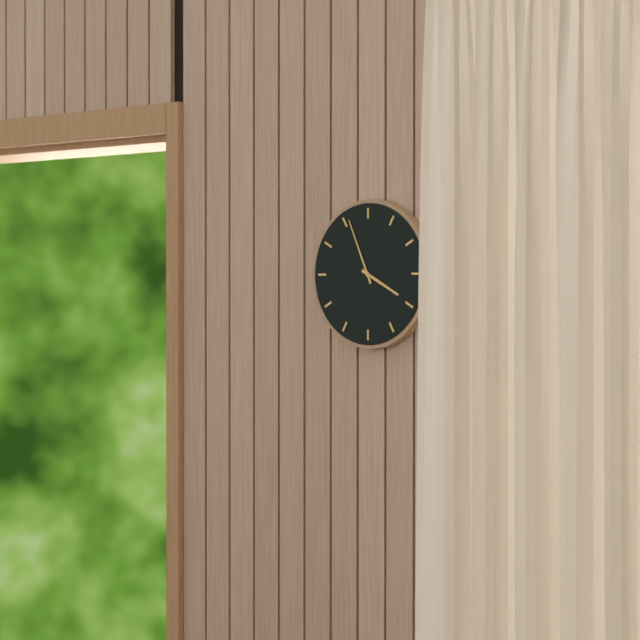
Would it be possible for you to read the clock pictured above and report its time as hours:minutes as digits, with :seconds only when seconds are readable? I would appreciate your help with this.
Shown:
3:56
